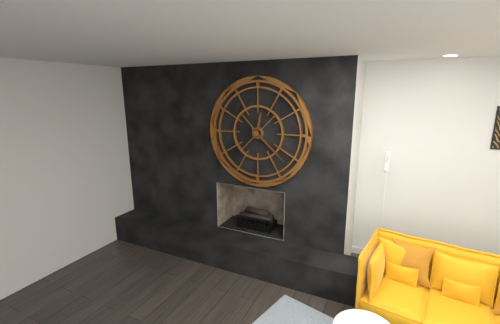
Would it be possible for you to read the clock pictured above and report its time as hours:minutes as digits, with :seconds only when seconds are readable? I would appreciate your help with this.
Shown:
12:22
